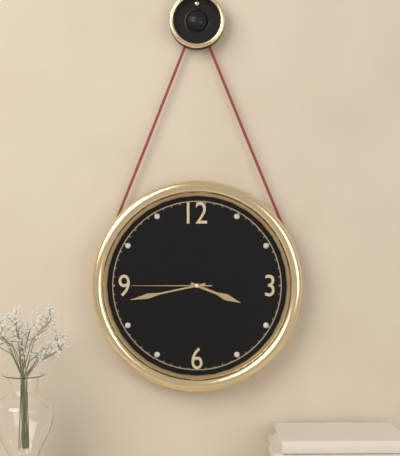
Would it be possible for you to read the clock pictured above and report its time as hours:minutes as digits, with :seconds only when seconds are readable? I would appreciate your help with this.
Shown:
3:43:45
